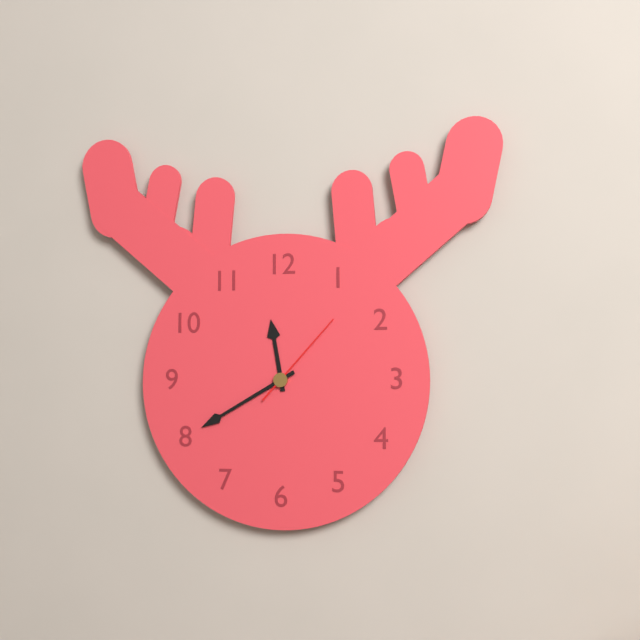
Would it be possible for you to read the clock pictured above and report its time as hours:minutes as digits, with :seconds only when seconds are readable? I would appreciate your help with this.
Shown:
11:40:07
